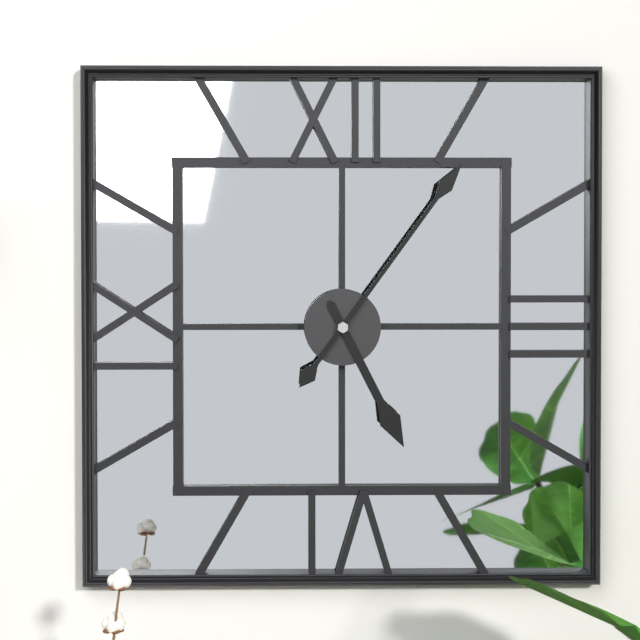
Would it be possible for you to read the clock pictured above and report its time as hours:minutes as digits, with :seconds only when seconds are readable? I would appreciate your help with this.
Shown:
5:06
